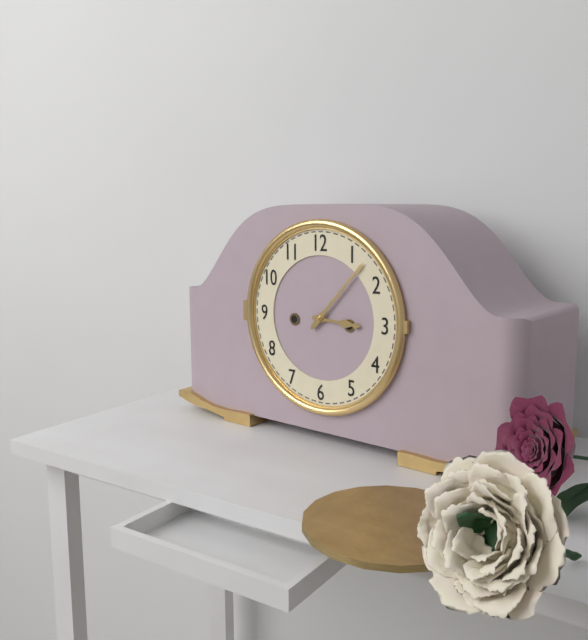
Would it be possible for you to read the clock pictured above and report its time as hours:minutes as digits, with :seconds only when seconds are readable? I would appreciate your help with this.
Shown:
3:07
